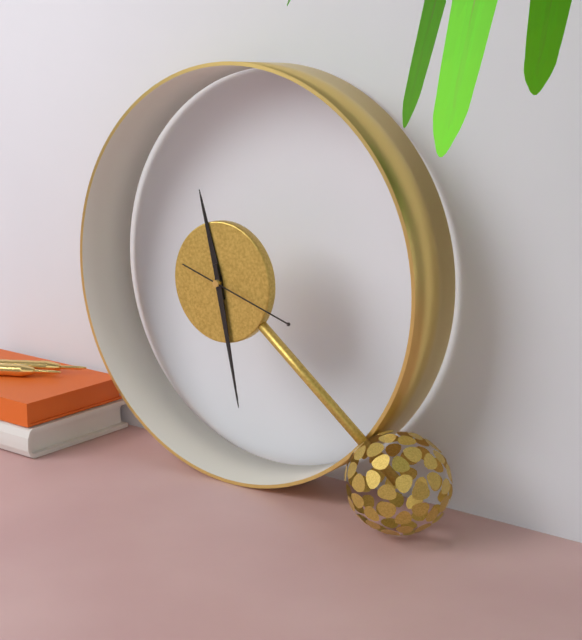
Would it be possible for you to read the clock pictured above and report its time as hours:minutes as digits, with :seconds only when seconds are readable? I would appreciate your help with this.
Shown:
11:28:18
